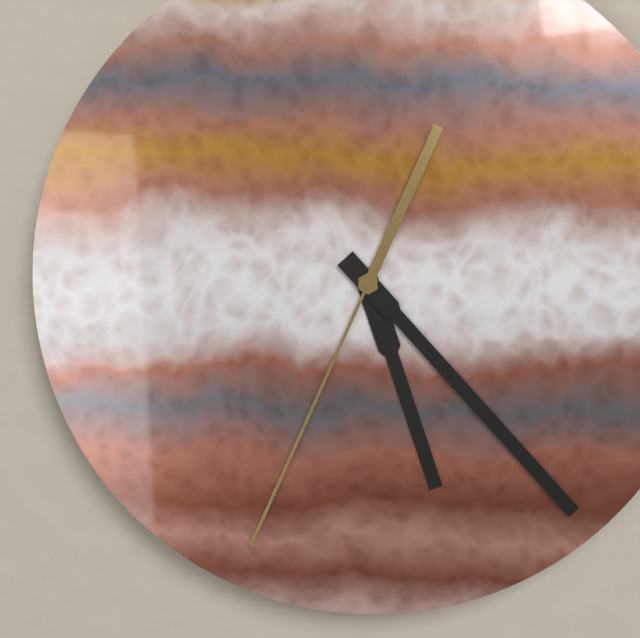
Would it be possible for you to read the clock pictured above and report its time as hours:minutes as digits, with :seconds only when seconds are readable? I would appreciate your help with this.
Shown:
5:23:34
